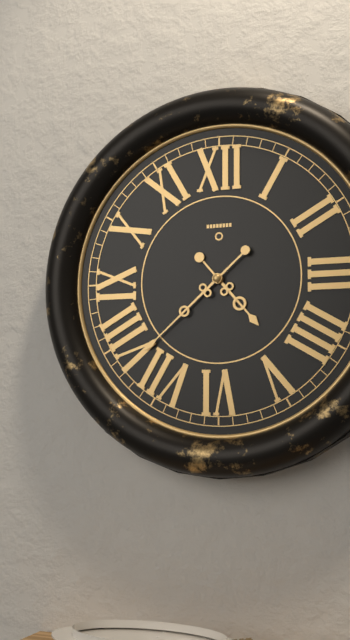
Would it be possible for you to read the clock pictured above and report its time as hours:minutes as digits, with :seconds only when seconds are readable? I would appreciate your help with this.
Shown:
4:38
